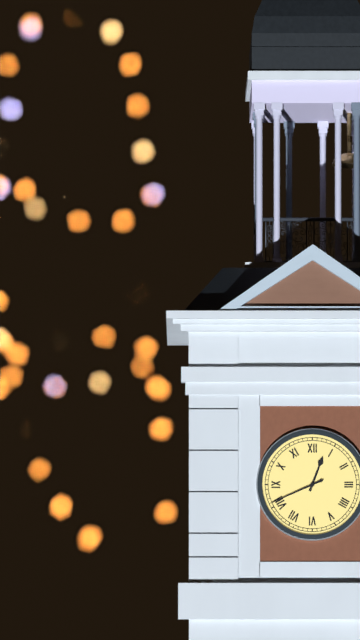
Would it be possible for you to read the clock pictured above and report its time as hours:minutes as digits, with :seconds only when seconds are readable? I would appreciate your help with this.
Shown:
12:41
